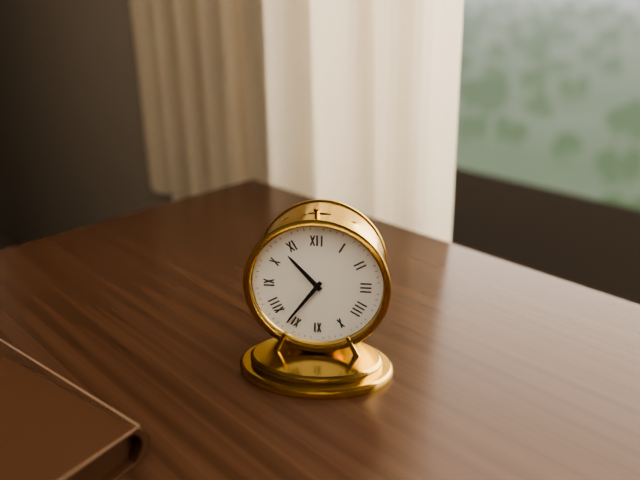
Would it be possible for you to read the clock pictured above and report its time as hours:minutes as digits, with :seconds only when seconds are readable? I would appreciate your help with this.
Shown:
10:36
